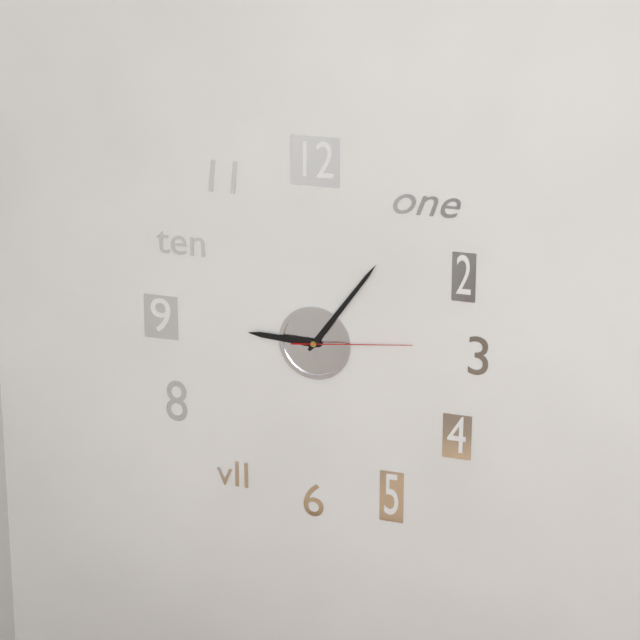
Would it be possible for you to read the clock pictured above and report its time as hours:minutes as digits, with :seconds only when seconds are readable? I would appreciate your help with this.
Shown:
9:06:14
